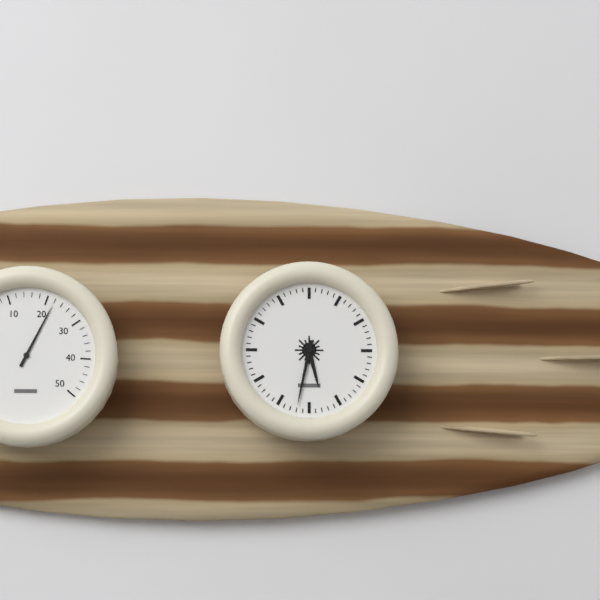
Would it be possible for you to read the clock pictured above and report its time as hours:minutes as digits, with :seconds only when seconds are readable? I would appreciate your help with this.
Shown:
5:32
